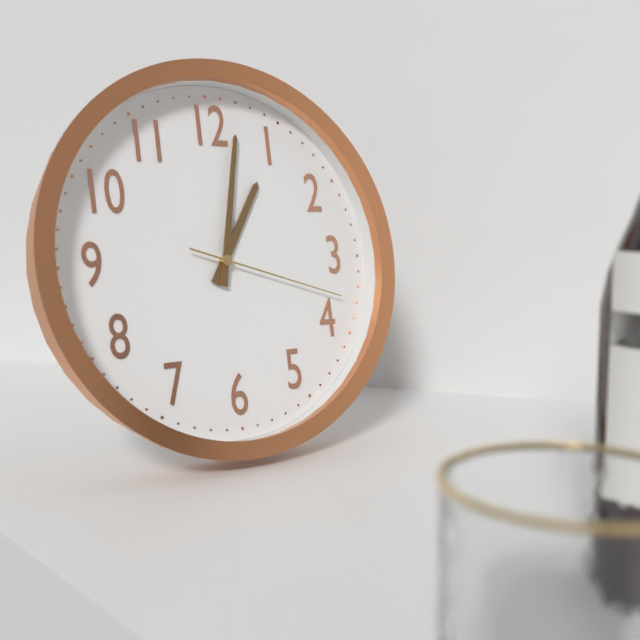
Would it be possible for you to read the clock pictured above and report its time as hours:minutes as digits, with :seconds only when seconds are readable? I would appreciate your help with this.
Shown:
1:02:18
